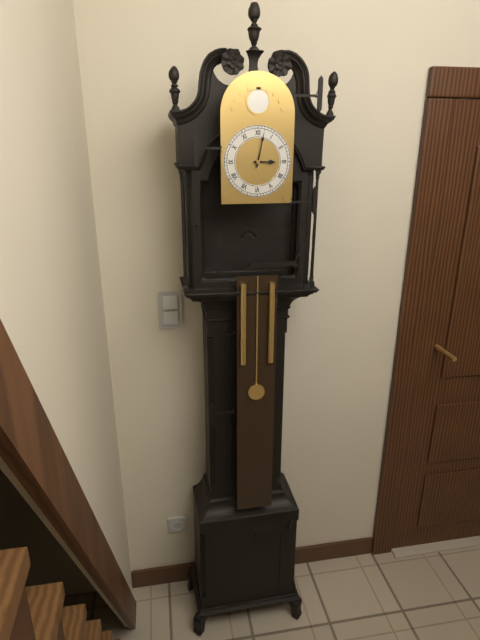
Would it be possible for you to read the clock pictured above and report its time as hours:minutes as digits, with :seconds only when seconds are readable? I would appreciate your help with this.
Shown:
3:02
